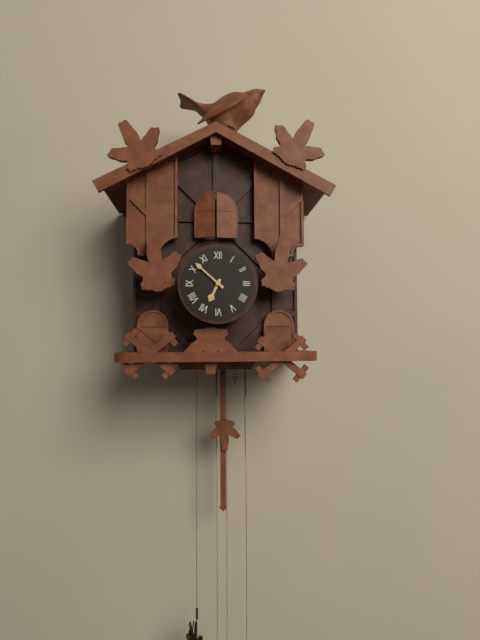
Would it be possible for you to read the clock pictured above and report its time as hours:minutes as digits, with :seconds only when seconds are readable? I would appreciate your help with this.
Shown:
6:52
